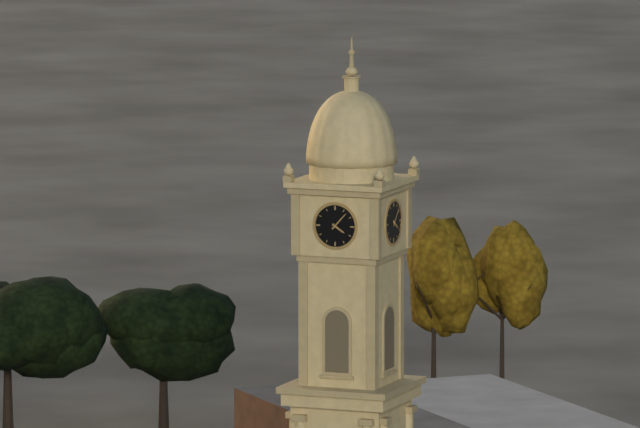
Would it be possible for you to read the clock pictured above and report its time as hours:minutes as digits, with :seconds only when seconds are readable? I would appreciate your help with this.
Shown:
4:07
